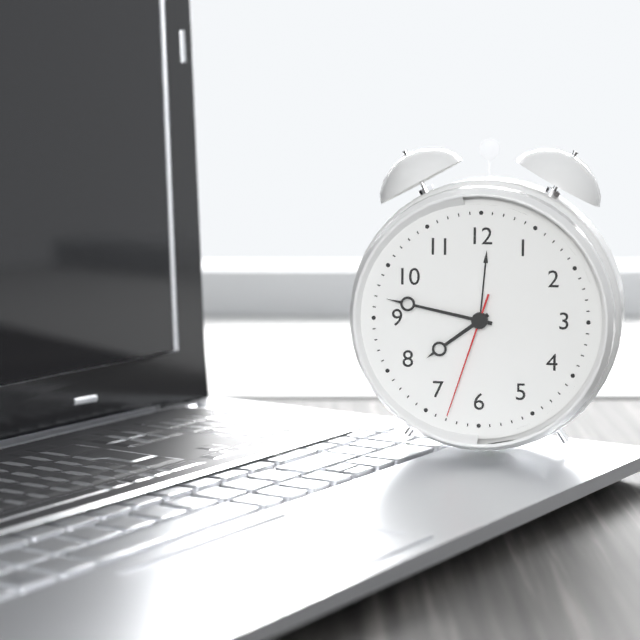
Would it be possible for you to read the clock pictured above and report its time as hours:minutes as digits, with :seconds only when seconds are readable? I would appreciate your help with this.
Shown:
7:47:33
